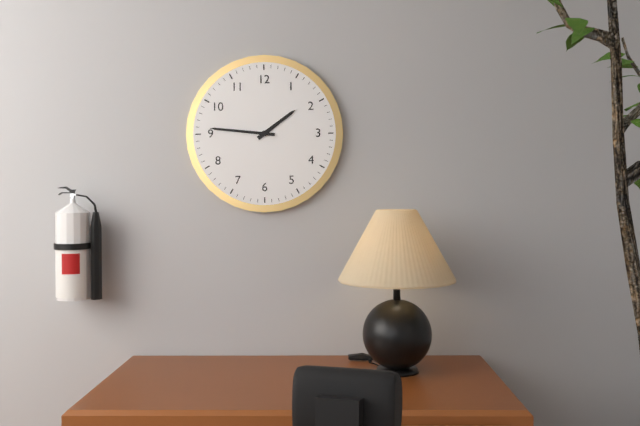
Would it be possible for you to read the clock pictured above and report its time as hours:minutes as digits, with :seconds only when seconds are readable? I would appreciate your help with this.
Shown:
1:46
